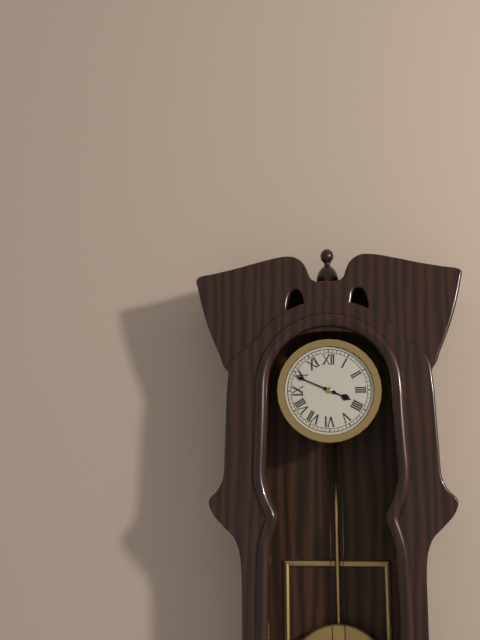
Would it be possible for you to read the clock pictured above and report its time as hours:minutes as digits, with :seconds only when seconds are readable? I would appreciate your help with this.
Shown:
3:49
